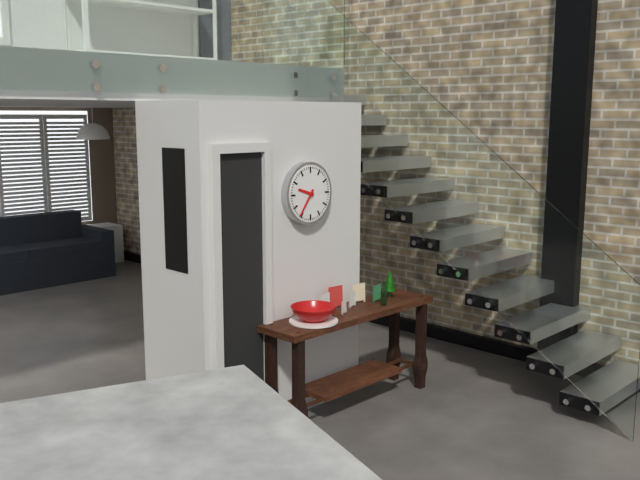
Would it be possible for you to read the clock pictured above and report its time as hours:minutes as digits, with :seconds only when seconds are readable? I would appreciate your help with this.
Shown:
9:36
